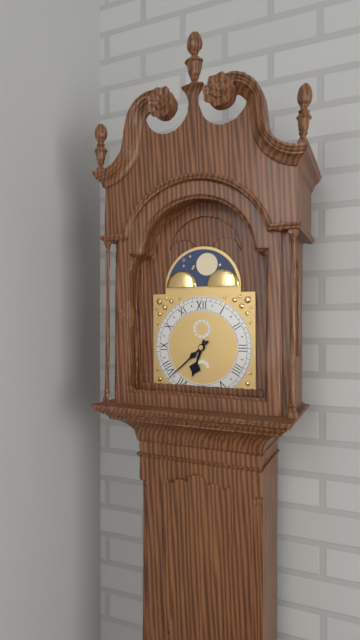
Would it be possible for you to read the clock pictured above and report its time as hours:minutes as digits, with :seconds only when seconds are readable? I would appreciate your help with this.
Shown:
6:38
